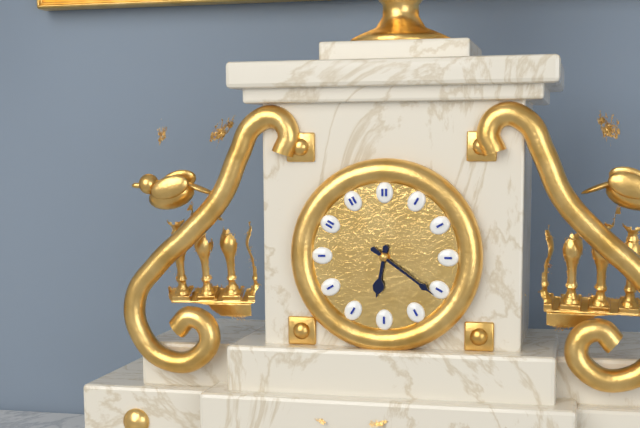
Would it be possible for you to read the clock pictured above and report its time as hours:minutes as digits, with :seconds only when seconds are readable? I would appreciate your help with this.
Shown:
6:21
